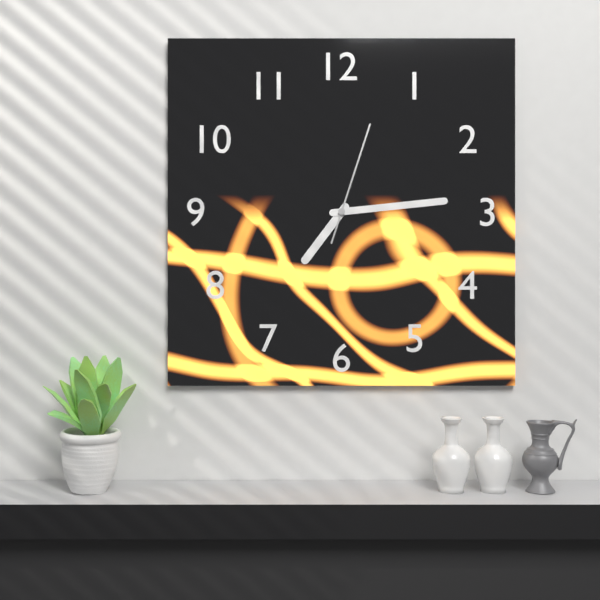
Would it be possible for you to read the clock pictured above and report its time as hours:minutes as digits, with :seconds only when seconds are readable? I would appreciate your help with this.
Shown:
7:14:03
